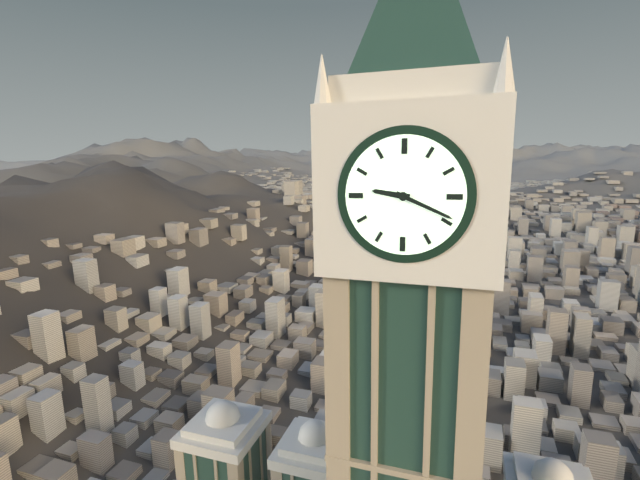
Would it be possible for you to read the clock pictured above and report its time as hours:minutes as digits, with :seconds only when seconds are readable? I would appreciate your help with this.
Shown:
9:19
